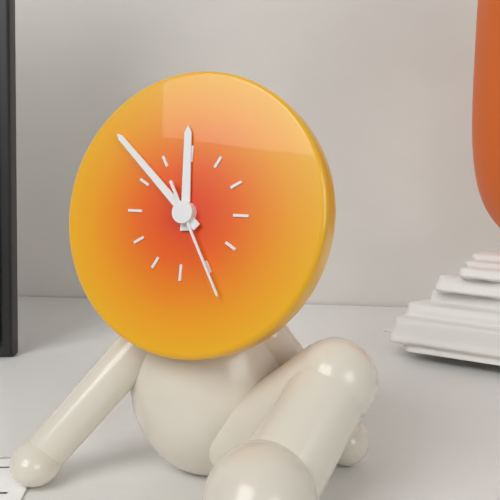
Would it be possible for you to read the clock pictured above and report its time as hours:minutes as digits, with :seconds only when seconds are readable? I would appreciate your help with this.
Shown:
11:52:25
